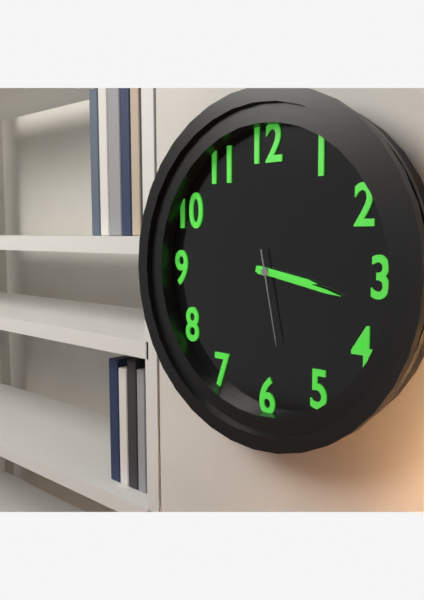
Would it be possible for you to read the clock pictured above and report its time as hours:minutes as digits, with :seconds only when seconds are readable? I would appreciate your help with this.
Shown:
3:17:28
